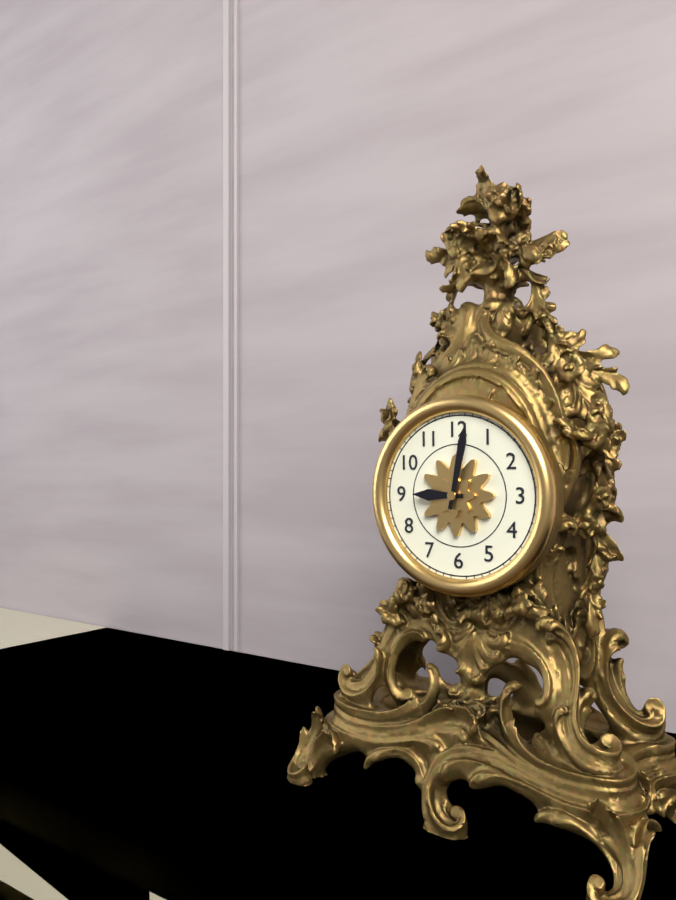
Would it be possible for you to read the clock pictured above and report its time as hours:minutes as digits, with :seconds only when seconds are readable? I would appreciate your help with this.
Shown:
9:02
